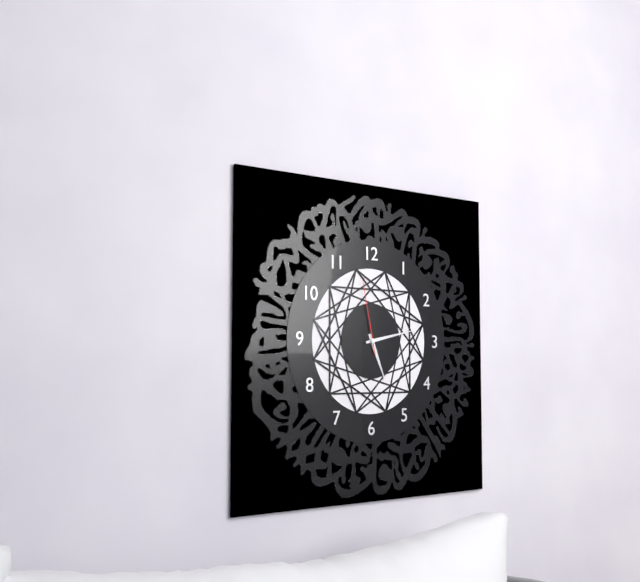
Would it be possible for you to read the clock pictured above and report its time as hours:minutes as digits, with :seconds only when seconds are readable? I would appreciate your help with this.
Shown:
5:13:58
